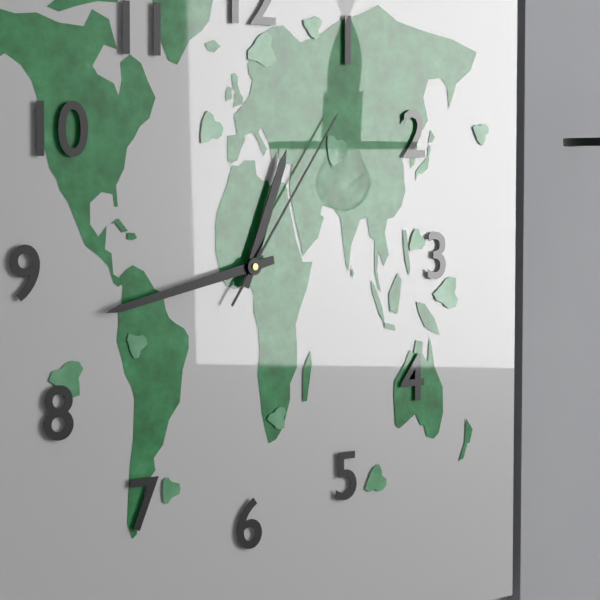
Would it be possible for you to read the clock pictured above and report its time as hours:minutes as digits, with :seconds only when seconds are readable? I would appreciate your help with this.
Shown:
12:43:06
